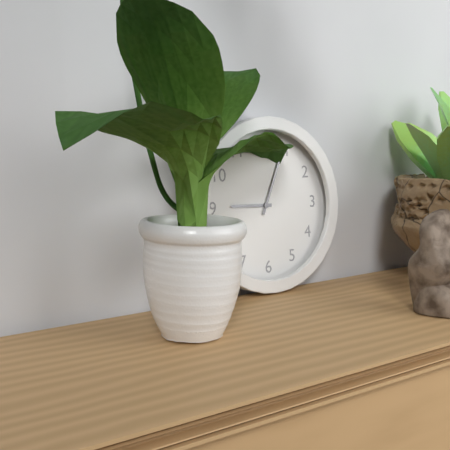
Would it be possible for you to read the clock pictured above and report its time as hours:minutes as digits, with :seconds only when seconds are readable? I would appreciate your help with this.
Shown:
9:04
